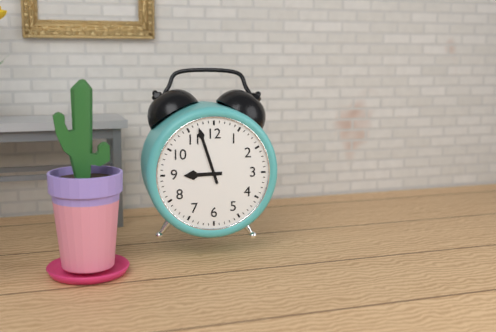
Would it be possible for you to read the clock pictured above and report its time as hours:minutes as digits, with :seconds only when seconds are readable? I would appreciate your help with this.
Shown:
8:57
